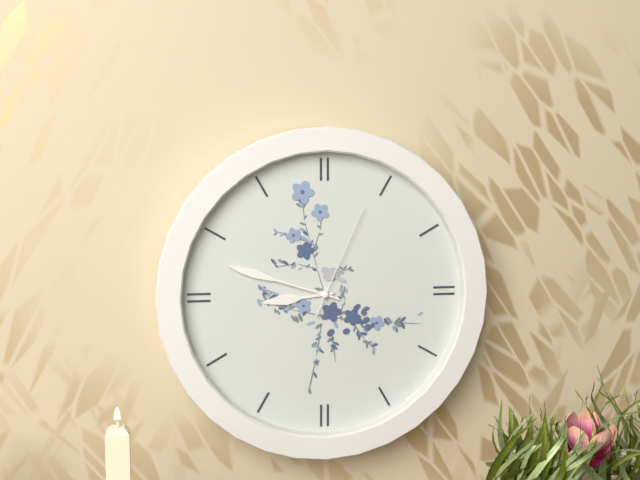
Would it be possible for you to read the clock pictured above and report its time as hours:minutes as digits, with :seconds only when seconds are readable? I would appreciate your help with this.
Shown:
8:48:04
